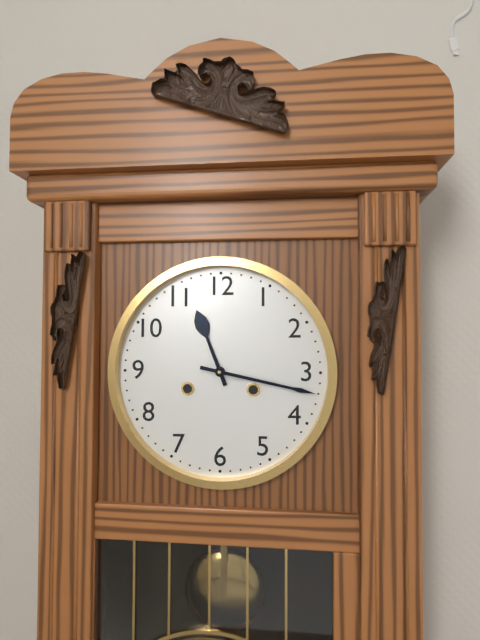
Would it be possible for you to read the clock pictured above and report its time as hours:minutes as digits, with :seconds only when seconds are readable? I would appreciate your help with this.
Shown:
11:17
